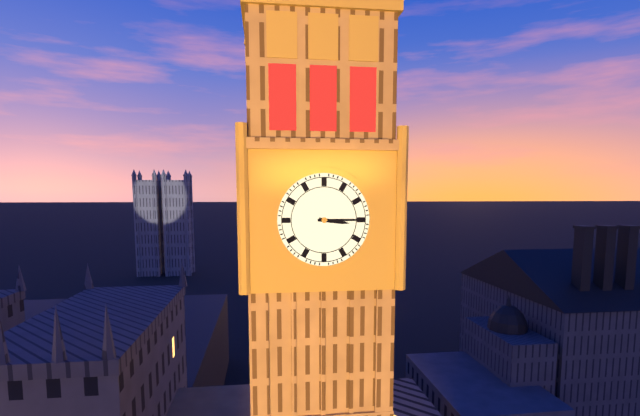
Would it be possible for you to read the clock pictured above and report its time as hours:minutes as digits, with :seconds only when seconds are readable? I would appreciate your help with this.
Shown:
3:15
